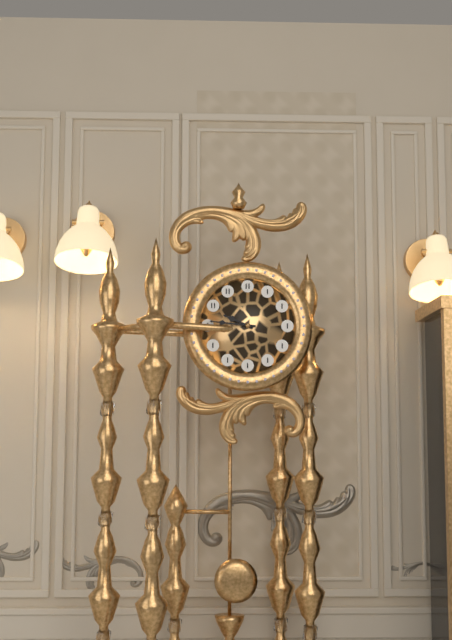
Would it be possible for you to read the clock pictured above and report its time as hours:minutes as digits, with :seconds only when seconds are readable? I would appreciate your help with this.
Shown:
9:46
